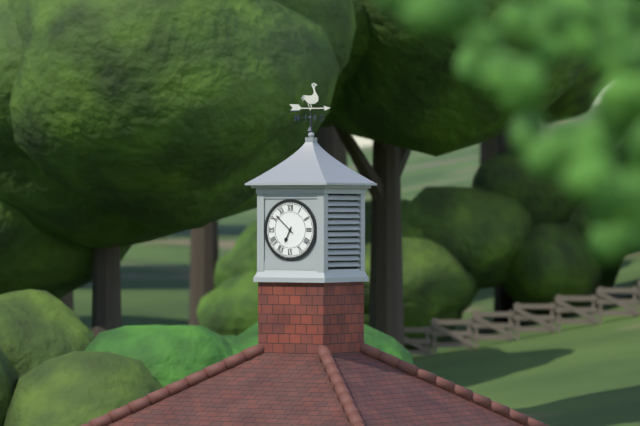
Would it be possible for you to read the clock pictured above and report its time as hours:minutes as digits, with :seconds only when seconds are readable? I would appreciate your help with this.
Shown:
6:52
